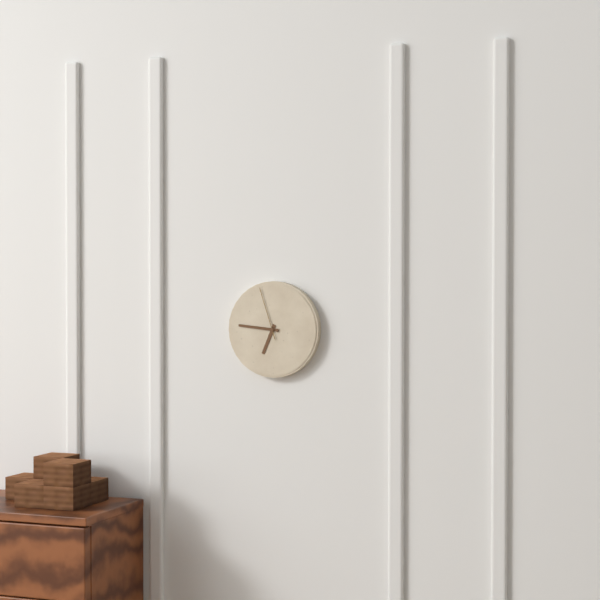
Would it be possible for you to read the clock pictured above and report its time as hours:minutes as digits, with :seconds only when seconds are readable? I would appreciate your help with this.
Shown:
6:46:57
